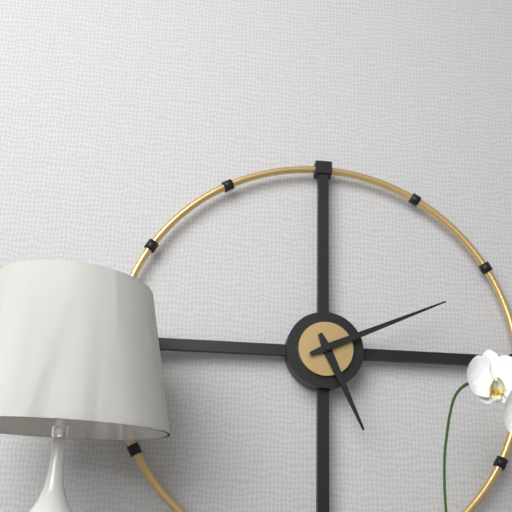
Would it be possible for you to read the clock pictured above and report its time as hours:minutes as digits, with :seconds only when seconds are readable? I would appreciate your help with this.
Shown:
5:11
